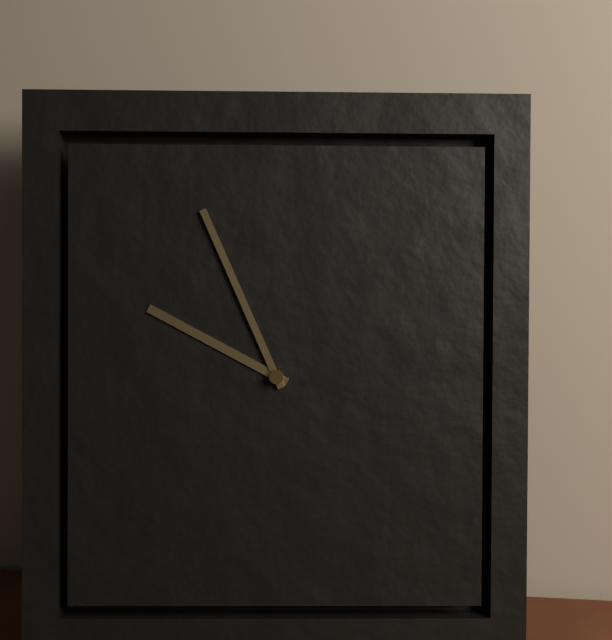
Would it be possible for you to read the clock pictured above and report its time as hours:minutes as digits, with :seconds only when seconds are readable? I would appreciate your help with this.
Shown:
9:56
